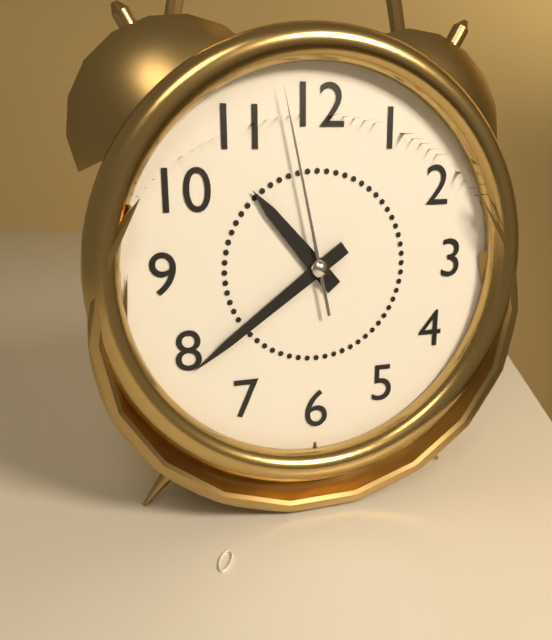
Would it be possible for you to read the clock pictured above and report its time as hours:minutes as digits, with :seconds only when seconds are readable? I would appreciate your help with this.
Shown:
10:39:58
